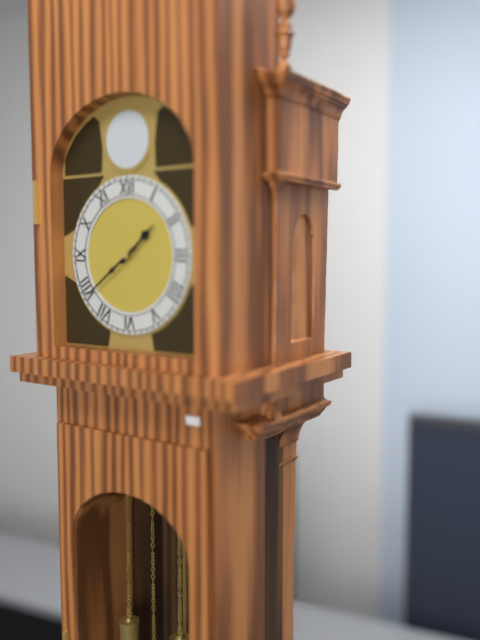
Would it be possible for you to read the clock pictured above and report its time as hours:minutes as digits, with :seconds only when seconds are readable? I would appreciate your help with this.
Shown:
1:39
